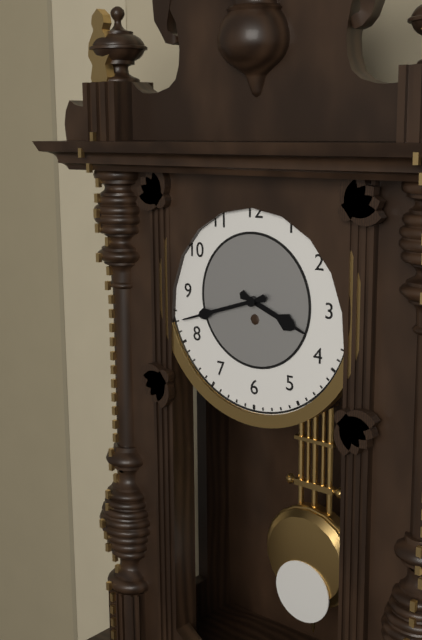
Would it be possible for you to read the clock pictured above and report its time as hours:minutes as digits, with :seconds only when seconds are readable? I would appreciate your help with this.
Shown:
3:42
